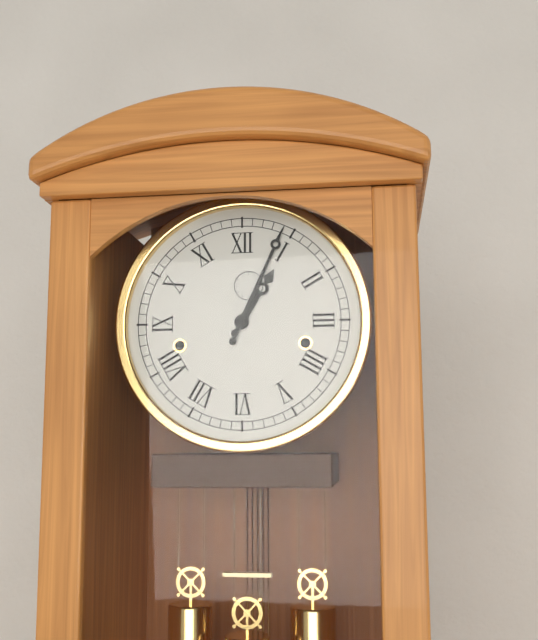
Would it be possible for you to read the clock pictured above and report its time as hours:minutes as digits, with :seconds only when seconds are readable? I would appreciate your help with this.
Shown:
1:04
